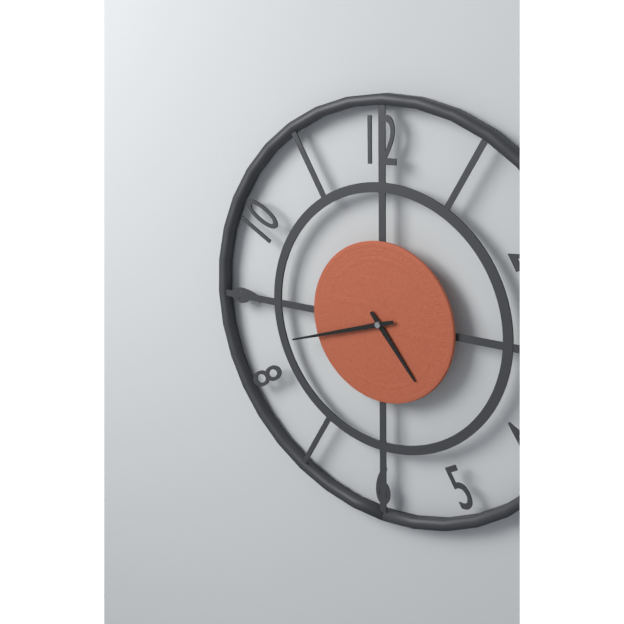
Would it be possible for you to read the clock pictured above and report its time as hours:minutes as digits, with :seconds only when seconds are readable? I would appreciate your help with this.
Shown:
4:42
